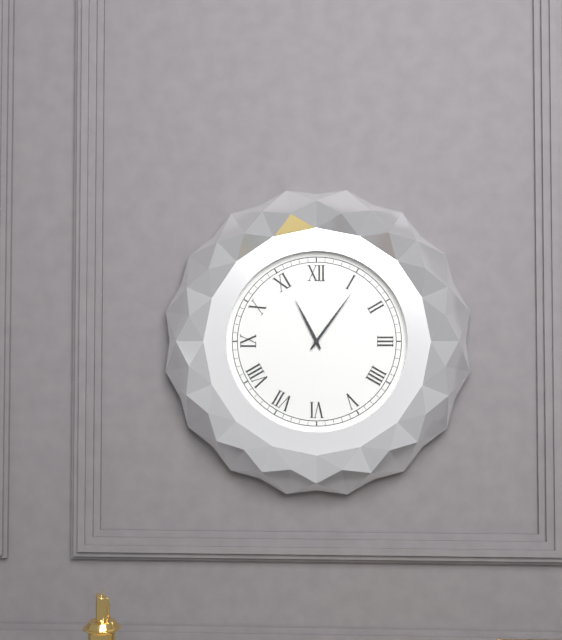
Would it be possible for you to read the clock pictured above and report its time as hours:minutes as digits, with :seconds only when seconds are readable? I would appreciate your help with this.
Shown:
11:06
